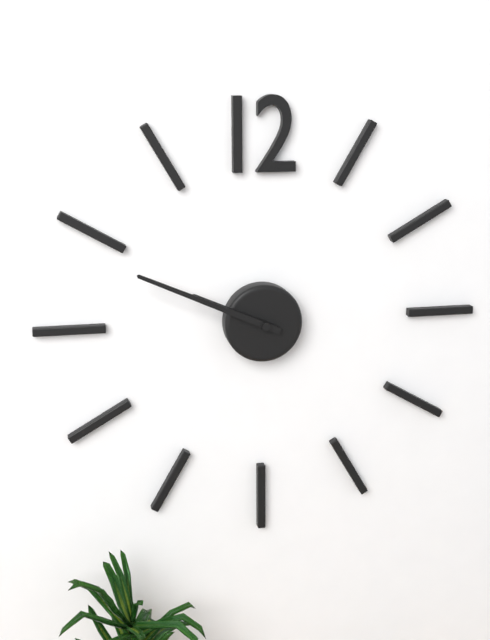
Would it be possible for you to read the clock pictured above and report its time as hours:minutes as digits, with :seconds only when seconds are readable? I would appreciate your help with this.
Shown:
9:49
